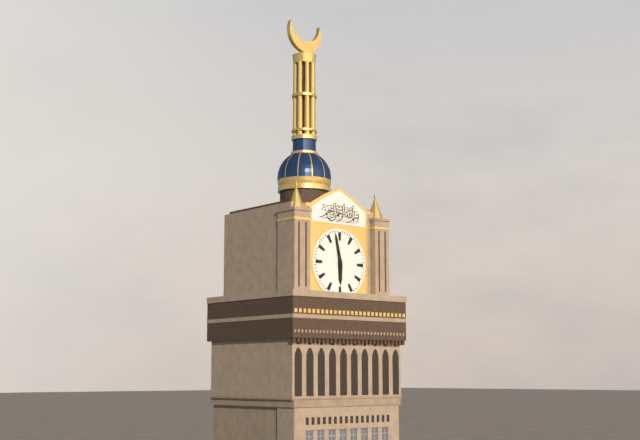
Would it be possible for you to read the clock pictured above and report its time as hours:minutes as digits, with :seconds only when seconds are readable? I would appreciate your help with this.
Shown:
5:58
